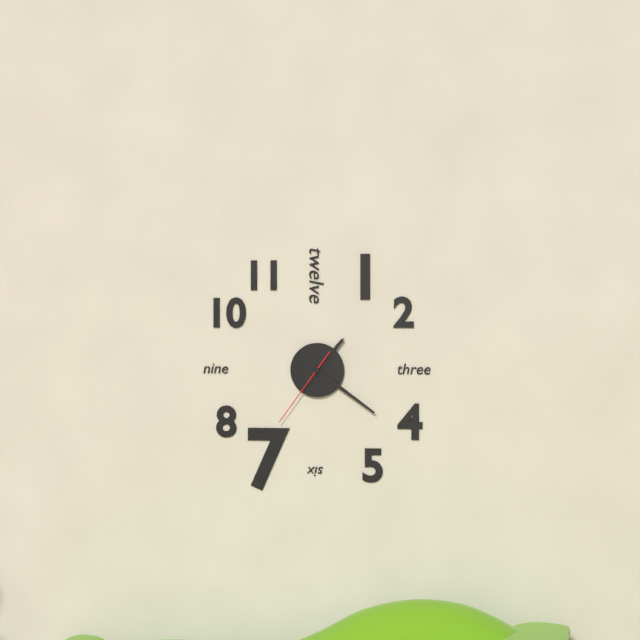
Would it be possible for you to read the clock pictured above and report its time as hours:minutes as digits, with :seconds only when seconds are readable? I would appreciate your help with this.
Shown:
1:21:36
